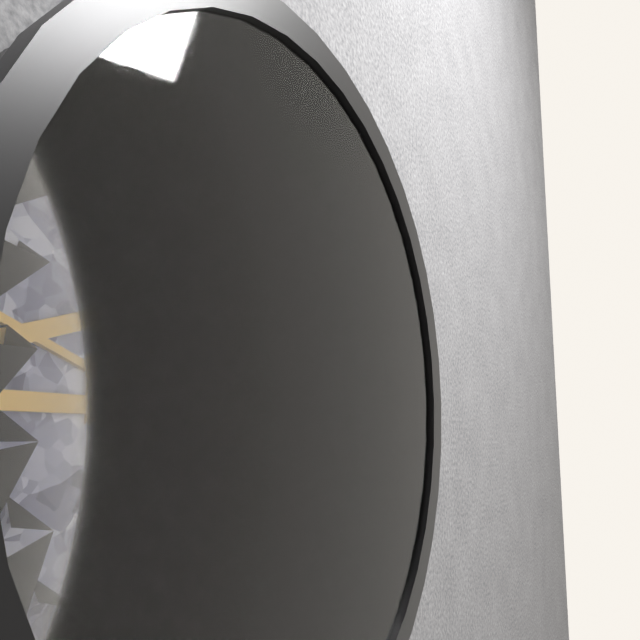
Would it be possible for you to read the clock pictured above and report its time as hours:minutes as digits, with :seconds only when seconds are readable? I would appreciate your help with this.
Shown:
6:16
